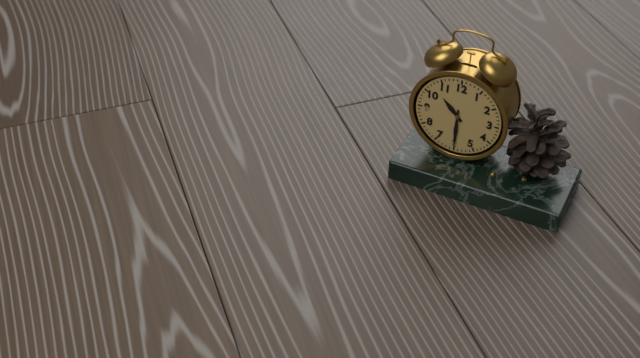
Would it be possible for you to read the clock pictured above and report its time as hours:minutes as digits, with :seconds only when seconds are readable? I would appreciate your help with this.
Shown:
10:30
